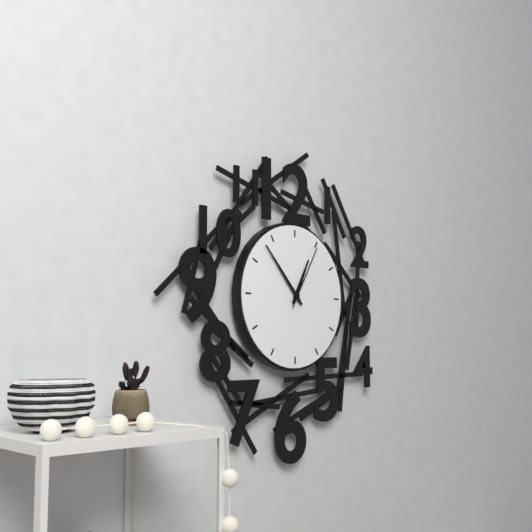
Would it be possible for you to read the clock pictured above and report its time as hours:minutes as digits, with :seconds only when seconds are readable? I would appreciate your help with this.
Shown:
12:53:05
